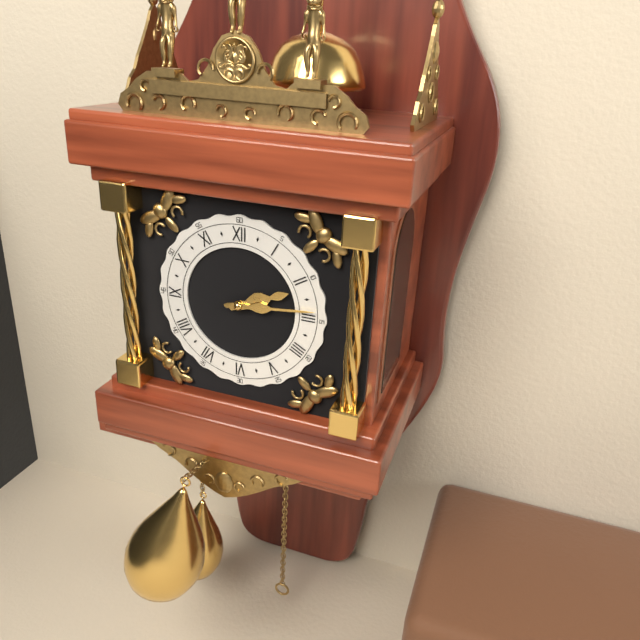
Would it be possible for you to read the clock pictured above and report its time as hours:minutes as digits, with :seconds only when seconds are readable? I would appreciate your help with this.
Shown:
2:14
